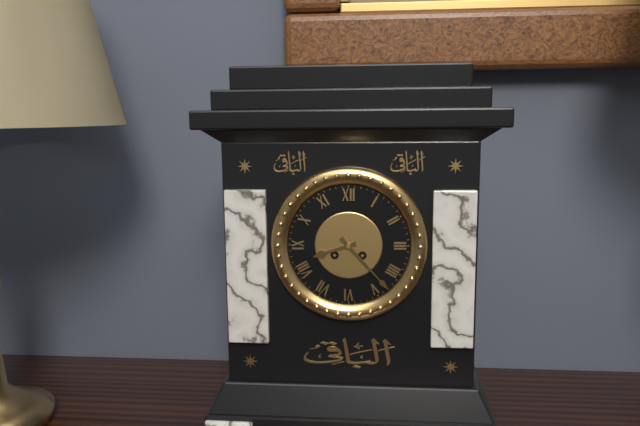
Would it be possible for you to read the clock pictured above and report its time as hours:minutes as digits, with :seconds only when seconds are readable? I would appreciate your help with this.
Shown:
8:23
